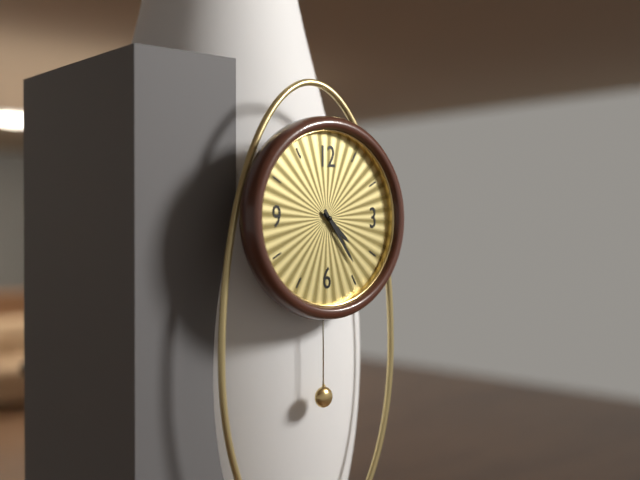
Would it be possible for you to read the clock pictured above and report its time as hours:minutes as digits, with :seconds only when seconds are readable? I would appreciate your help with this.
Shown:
4:24
